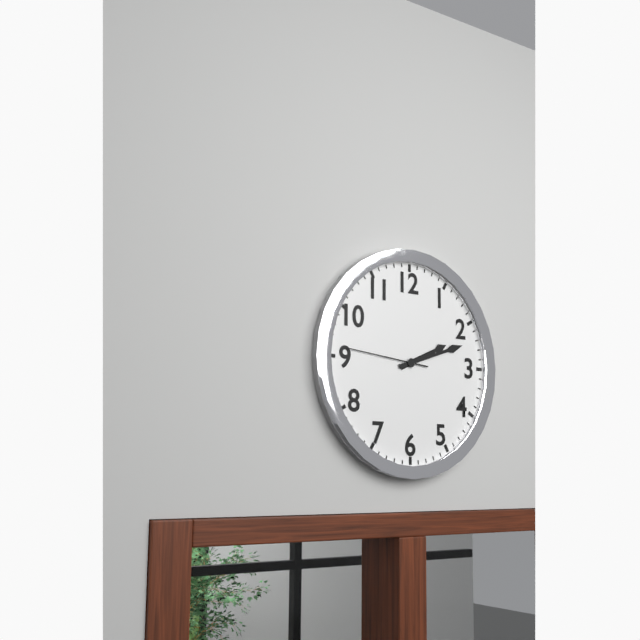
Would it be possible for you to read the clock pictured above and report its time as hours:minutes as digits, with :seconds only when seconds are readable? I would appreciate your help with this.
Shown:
2:12:46
